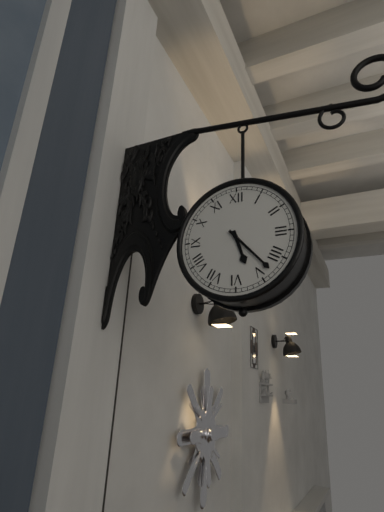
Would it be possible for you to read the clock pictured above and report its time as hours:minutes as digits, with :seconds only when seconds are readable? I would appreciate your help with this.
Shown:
5:23
